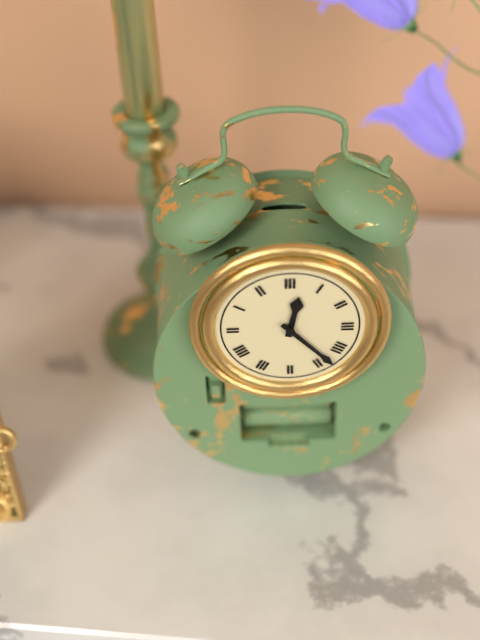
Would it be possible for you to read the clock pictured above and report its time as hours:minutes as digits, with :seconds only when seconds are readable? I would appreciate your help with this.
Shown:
12:23
